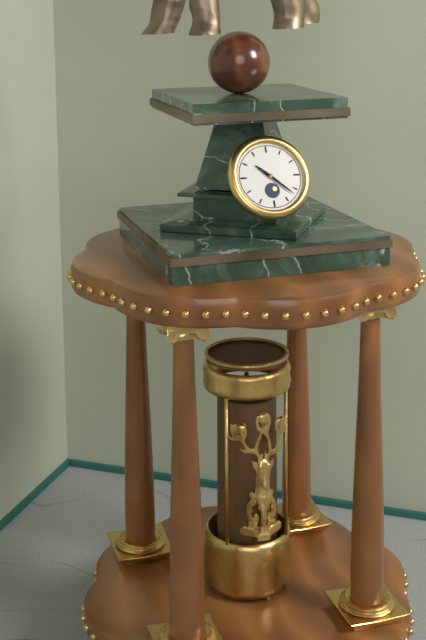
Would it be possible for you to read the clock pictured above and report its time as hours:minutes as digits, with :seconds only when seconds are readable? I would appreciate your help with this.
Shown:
10:22
